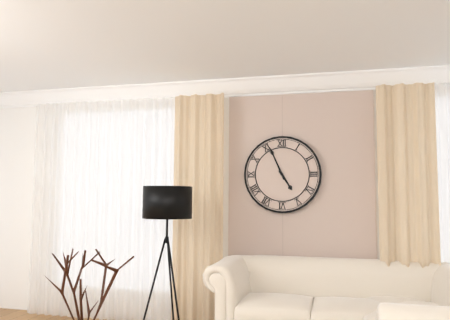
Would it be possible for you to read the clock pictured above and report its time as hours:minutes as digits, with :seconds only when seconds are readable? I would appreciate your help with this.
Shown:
4:56
